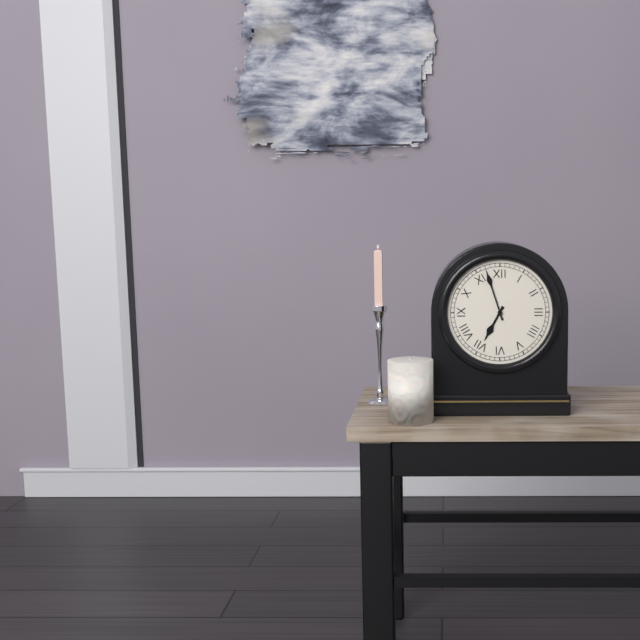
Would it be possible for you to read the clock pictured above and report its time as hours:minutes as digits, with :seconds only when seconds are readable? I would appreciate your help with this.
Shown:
6:57
